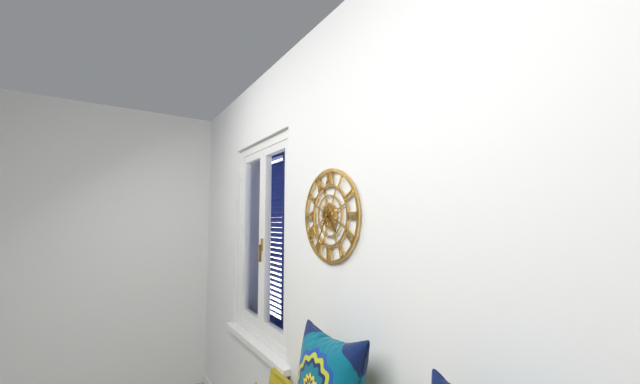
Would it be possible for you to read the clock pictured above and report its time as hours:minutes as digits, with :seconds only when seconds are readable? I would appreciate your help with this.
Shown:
4:35
